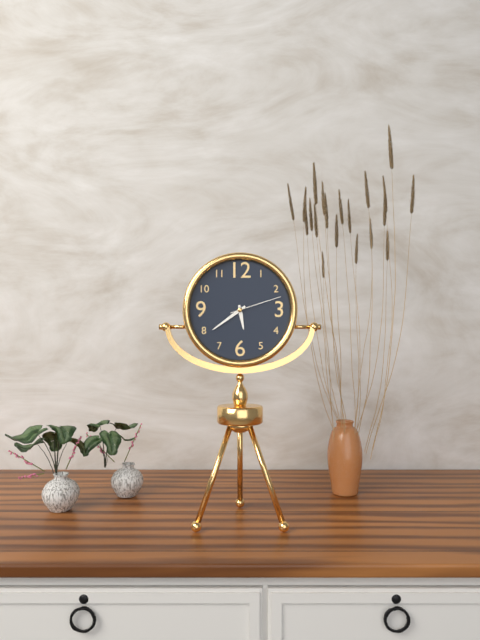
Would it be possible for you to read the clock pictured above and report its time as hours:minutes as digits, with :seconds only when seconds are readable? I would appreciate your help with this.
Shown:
5:39:12
